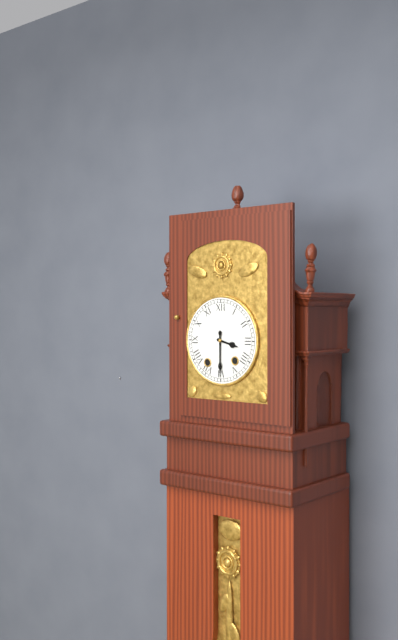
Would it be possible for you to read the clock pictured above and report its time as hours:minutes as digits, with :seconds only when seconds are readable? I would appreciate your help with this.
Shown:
3:30
